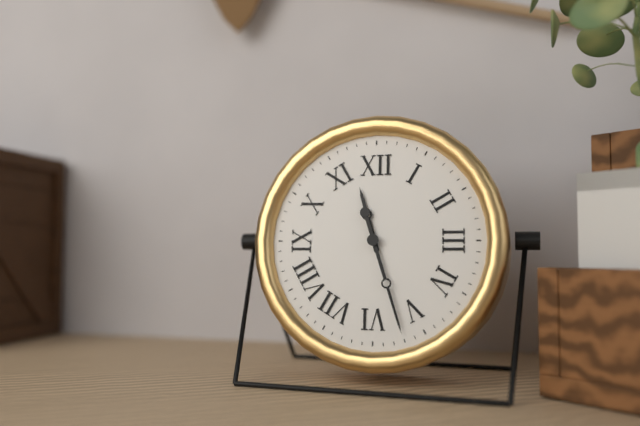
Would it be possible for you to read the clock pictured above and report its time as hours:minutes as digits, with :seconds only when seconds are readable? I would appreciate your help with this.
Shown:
11:27
